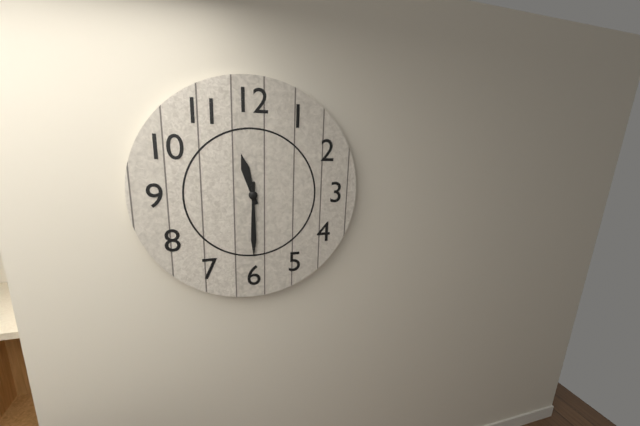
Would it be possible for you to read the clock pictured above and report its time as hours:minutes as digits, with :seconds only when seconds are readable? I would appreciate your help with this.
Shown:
11:30
